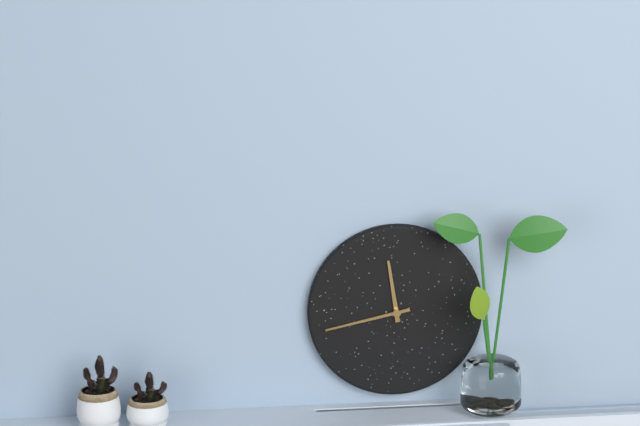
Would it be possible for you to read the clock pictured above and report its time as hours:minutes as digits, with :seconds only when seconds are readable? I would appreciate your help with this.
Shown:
11:43
